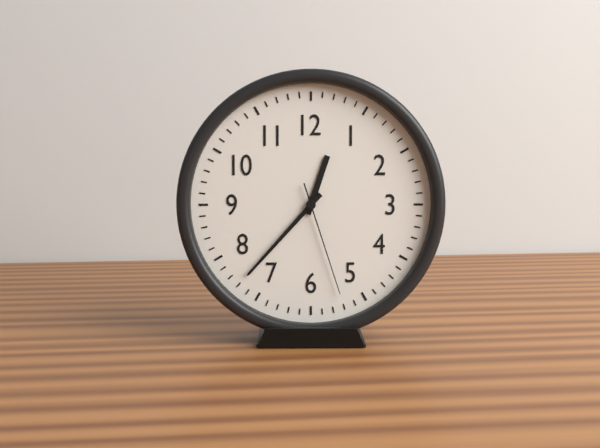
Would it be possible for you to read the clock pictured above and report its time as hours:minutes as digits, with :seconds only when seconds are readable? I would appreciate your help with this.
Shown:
12:37:27
